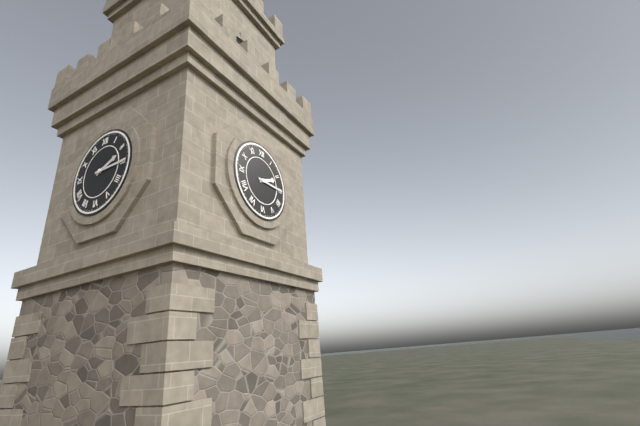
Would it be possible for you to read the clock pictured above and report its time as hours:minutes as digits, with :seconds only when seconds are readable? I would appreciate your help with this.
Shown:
2:15
